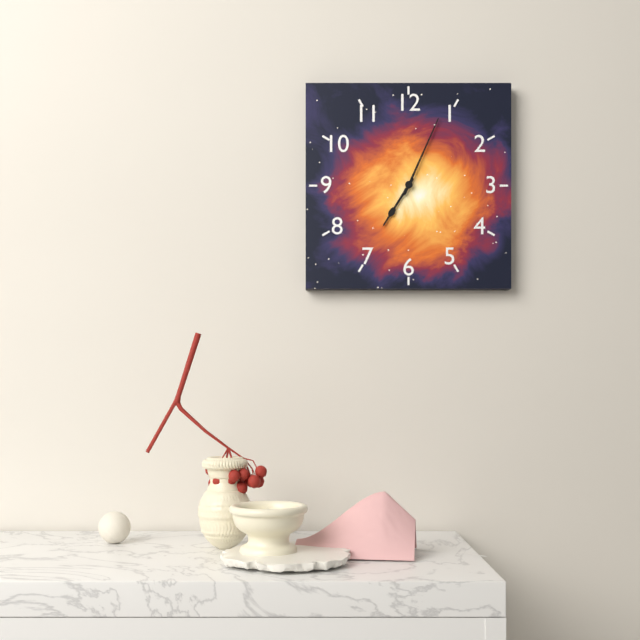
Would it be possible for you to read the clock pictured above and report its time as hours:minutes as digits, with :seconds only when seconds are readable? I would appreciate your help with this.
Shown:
7:04
